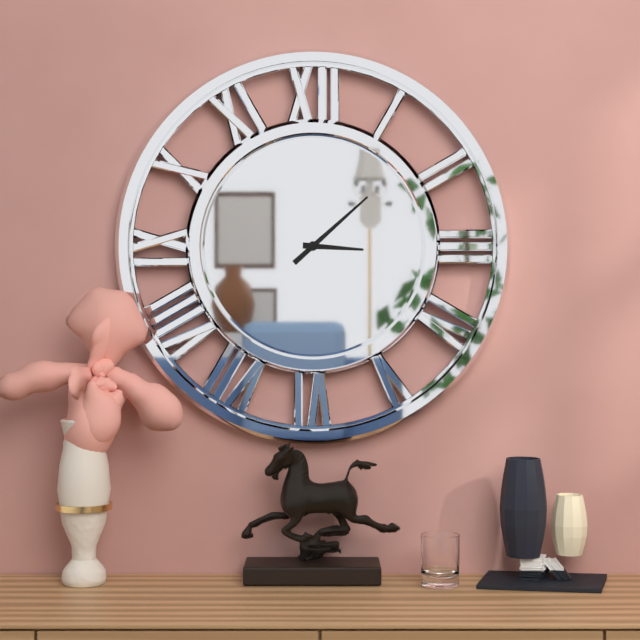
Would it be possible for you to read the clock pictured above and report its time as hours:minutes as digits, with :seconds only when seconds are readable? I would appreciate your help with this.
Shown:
3:08
